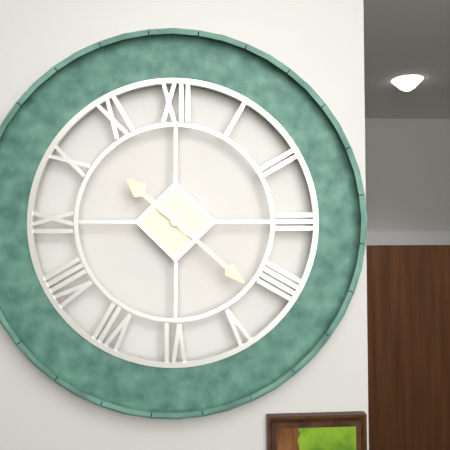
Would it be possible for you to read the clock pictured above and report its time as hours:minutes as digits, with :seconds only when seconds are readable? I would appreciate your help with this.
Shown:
10:22
